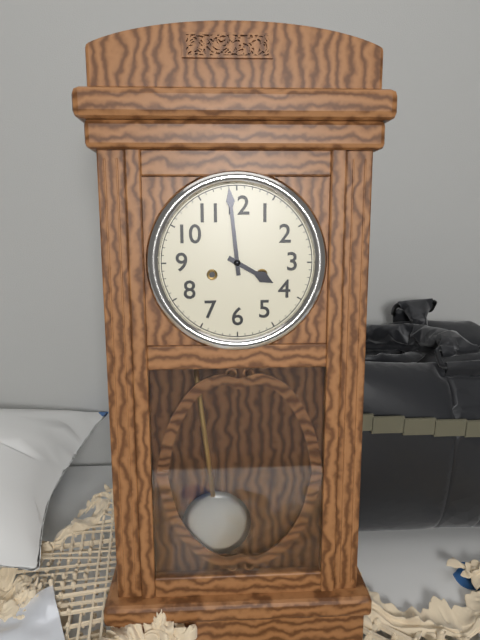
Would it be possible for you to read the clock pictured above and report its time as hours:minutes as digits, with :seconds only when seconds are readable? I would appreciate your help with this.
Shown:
3:59
